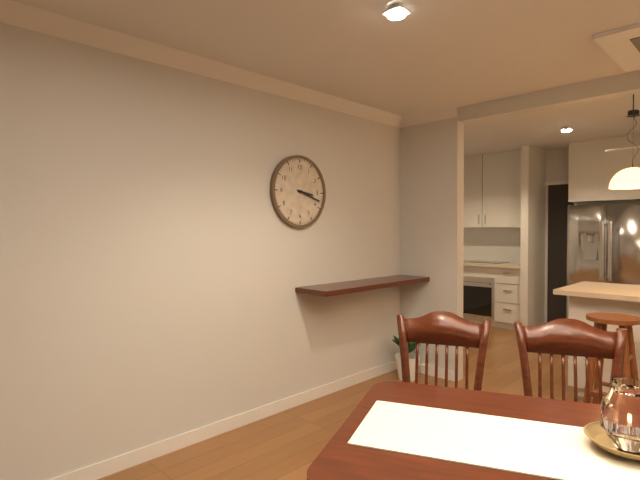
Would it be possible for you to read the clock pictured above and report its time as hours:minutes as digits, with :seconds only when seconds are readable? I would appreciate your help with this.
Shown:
3:18
